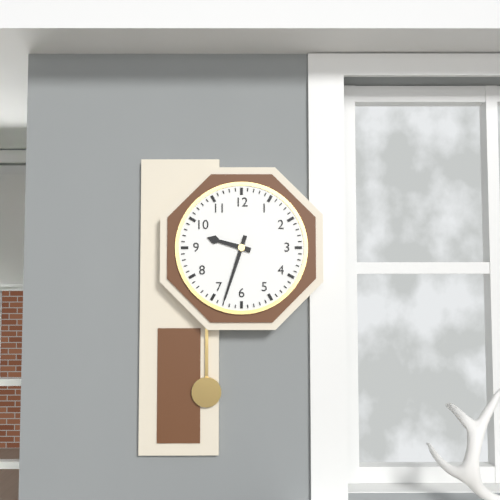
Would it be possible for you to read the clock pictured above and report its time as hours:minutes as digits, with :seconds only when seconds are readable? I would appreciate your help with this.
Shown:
9:33
